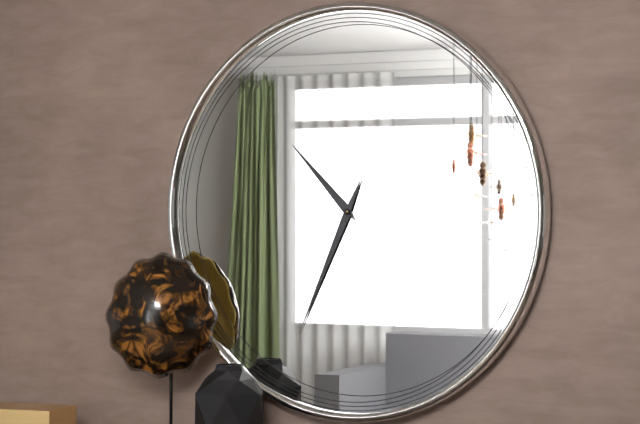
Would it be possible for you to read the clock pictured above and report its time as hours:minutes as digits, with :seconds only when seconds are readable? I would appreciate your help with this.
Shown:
10:34
